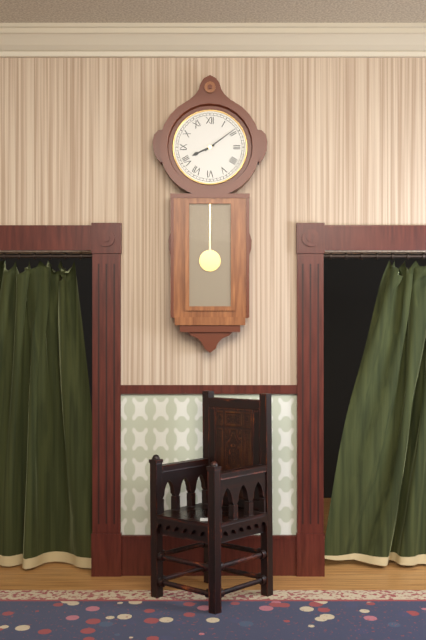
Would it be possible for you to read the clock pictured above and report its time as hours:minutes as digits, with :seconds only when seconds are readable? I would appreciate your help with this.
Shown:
8:09
